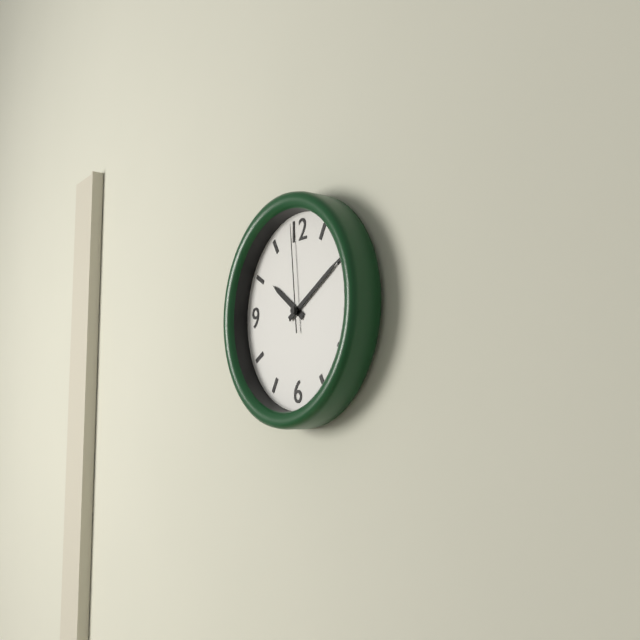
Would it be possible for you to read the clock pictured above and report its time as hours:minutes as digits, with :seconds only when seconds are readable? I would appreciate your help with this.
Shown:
10:10:59
